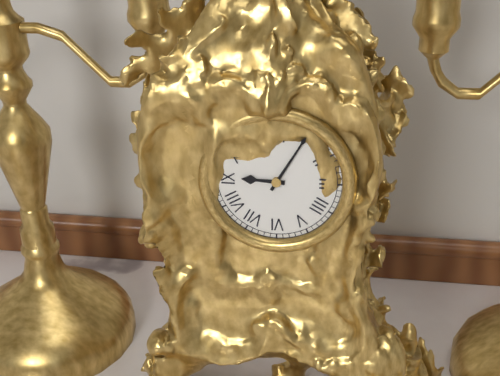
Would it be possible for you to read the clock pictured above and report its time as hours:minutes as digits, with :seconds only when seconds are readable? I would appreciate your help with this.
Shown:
9:05
